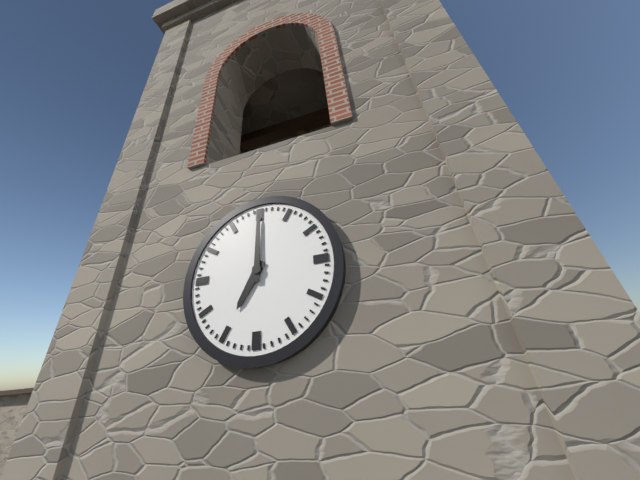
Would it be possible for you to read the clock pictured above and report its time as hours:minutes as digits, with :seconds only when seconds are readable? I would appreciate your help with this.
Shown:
7:00
